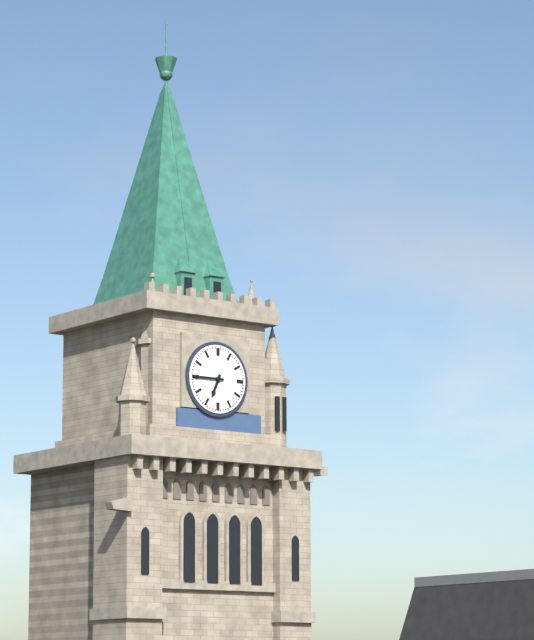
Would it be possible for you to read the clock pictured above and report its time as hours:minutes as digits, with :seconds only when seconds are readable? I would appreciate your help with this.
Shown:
6:45
